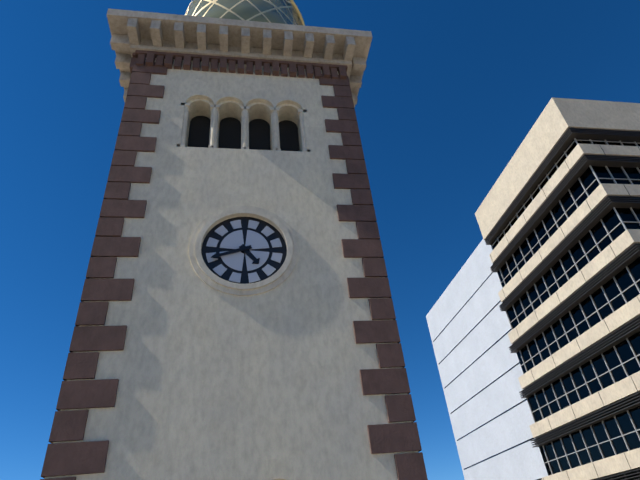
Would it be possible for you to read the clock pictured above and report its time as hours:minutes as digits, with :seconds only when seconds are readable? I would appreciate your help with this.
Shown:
4:42
